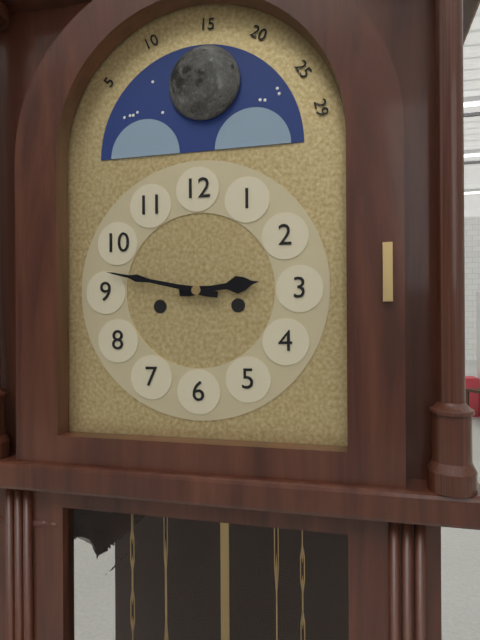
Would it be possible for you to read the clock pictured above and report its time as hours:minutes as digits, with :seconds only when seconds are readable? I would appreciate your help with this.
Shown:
2:47
